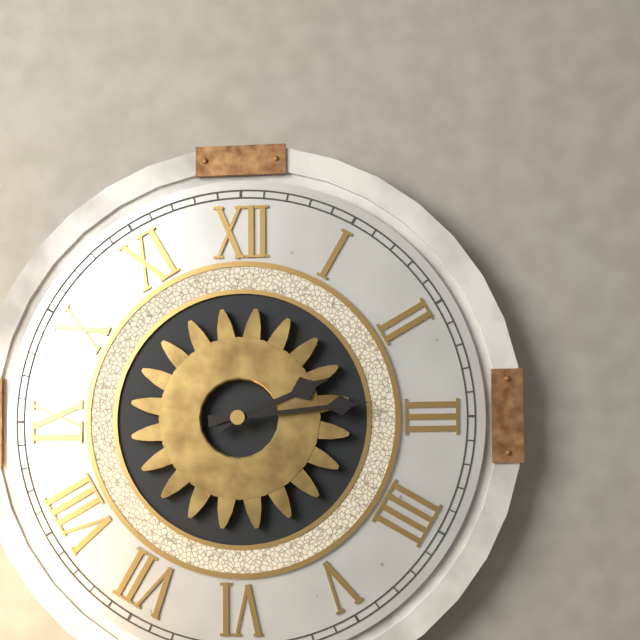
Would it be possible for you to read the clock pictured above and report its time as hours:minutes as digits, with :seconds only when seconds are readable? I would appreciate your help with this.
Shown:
2:14
